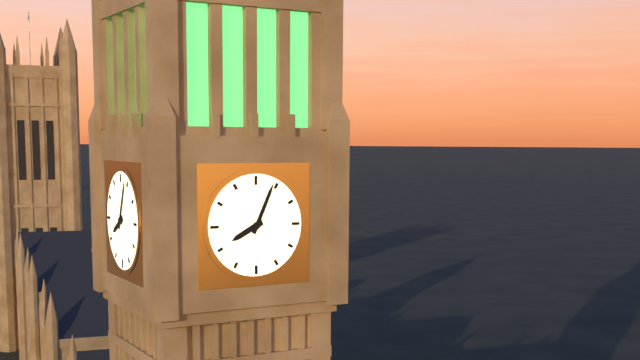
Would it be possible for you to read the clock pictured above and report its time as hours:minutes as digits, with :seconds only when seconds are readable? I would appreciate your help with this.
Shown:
8:04
